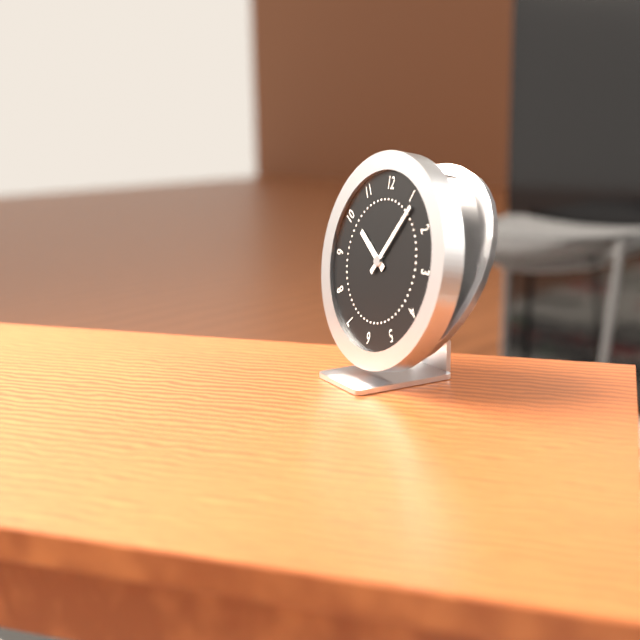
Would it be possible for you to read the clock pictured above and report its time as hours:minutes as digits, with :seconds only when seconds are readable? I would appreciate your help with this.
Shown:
10:06
